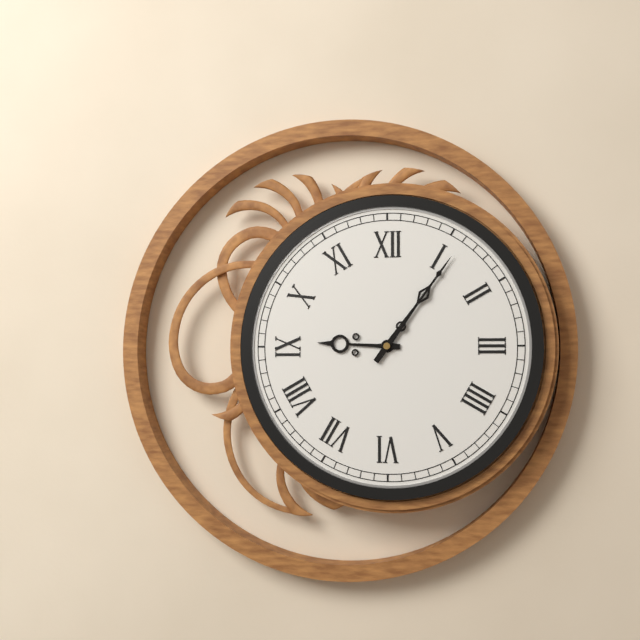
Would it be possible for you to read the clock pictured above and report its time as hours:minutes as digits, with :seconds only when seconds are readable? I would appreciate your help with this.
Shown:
9:06
